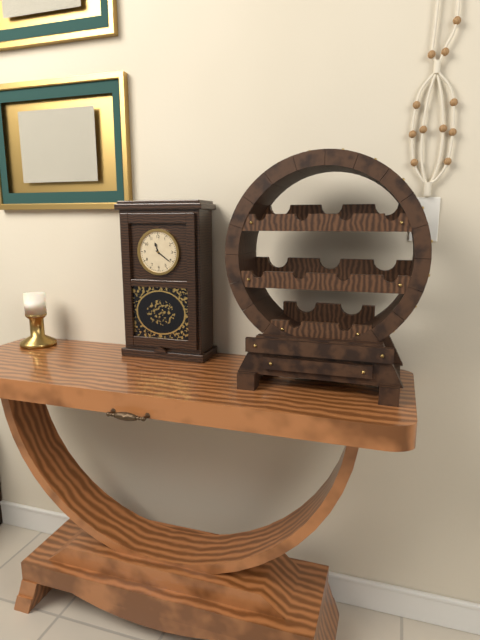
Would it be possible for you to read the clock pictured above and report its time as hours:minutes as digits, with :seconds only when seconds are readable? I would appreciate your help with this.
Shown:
11:21
